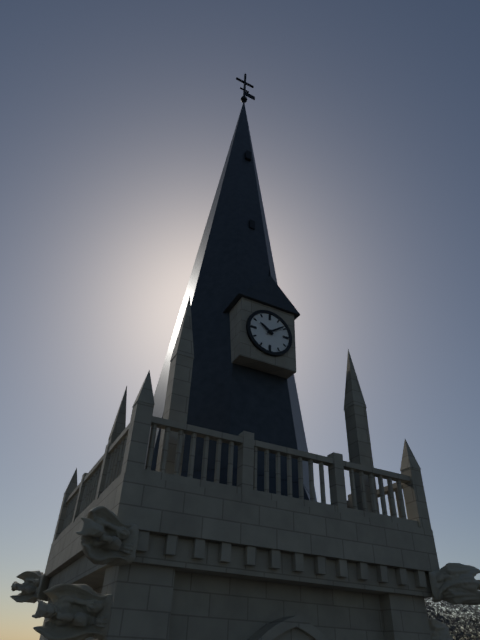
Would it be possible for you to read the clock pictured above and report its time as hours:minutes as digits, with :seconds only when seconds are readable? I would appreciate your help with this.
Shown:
10:09
